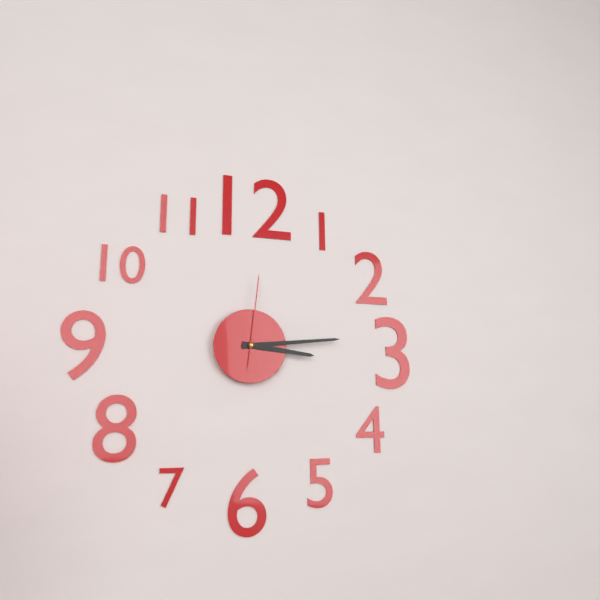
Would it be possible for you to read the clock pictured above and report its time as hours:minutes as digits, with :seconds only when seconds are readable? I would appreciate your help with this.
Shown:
3:14:01
